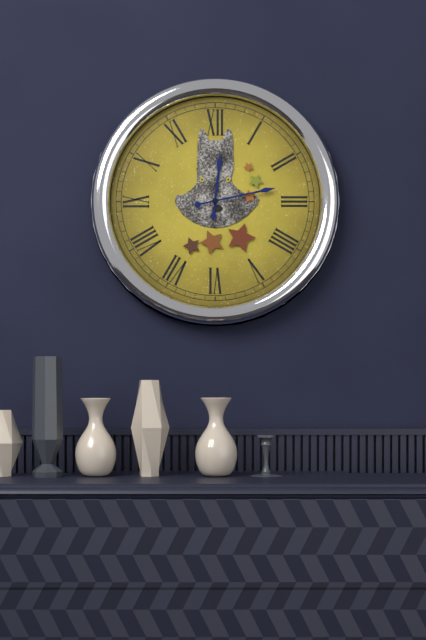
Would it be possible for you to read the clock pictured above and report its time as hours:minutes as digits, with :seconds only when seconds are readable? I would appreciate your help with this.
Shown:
12:13
